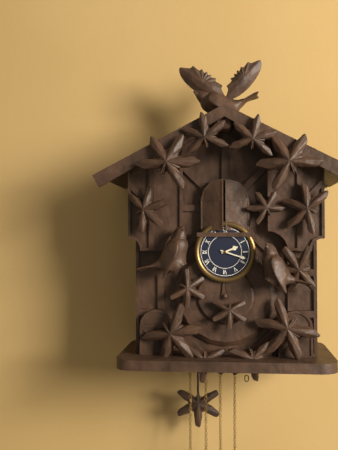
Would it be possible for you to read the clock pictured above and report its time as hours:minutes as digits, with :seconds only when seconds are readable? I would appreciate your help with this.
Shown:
2:18
